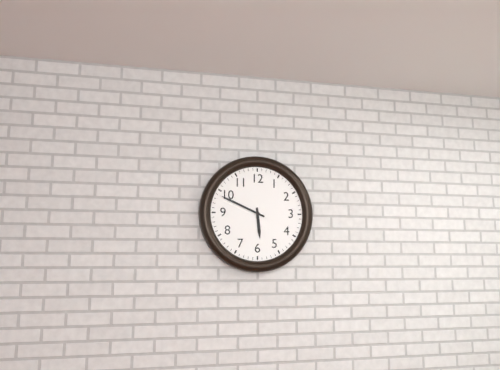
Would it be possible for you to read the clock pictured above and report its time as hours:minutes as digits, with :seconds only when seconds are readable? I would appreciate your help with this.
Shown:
5:49
